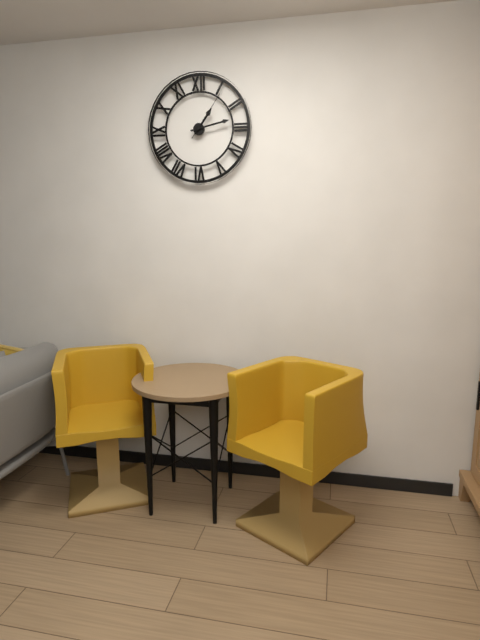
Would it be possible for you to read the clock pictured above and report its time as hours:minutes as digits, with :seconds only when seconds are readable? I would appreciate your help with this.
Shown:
1:13:06
